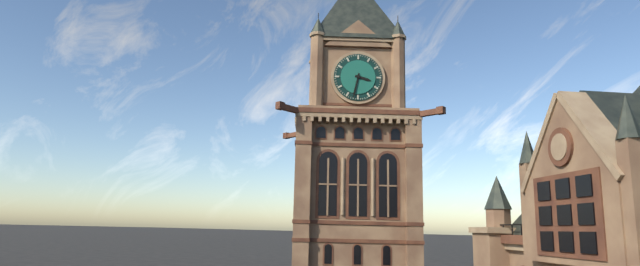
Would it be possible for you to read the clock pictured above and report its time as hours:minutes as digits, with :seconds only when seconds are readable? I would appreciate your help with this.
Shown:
3:32
